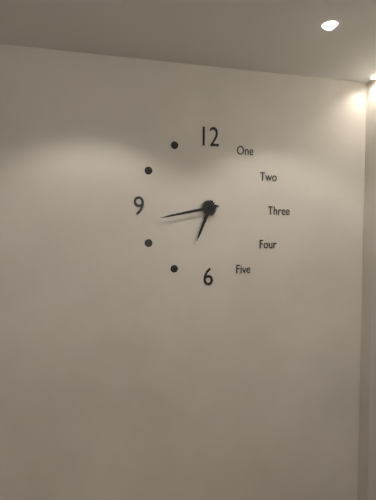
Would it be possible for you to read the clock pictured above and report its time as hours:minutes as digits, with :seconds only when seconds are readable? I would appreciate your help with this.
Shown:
6:43
